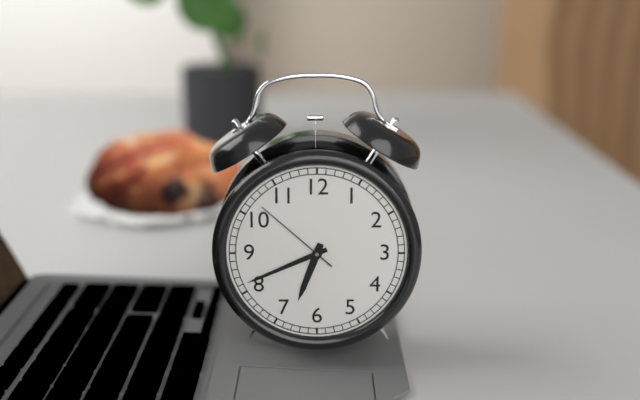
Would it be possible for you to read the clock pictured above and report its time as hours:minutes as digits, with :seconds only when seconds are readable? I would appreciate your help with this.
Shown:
6:41:52
